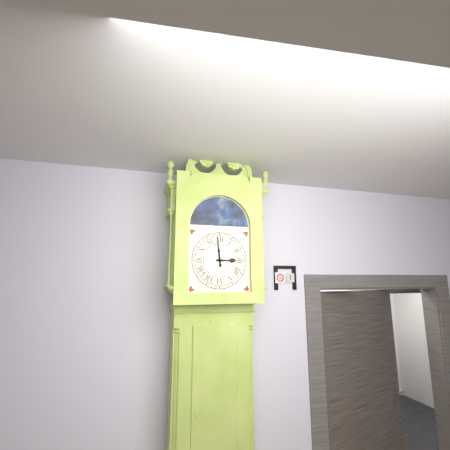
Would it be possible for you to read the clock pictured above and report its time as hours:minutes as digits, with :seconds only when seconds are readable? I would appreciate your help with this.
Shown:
2:59
